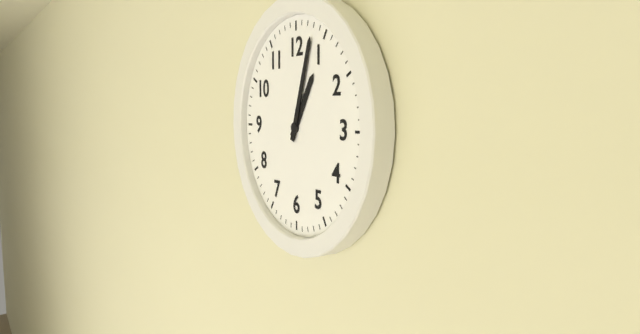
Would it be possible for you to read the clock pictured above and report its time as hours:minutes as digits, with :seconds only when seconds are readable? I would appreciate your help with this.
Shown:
1:03
